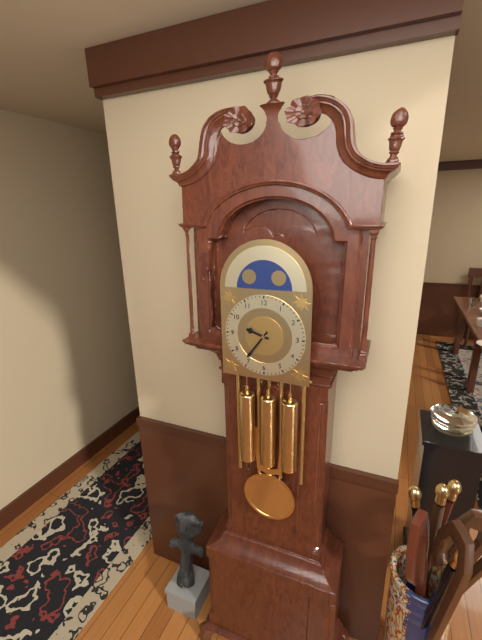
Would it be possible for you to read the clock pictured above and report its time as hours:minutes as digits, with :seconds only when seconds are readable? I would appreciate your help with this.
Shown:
9:36
